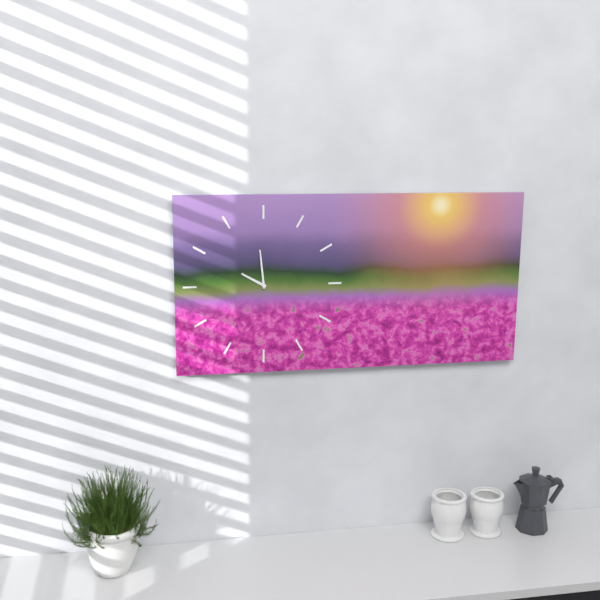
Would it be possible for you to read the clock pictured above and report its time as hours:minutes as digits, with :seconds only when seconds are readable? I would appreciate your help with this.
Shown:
9:59
